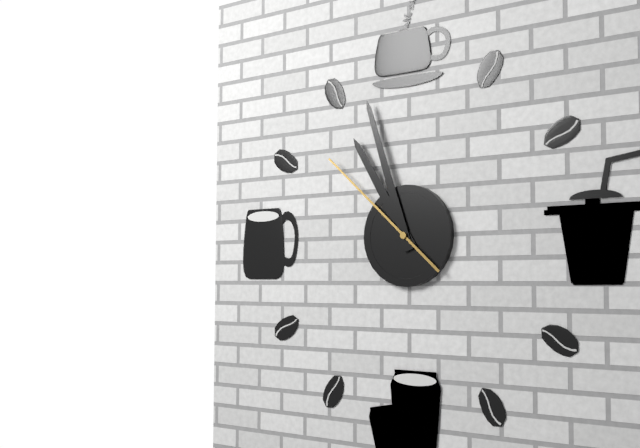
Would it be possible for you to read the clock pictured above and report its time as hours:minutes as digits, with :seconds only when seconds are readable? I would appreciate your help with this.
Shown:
10:57:52
